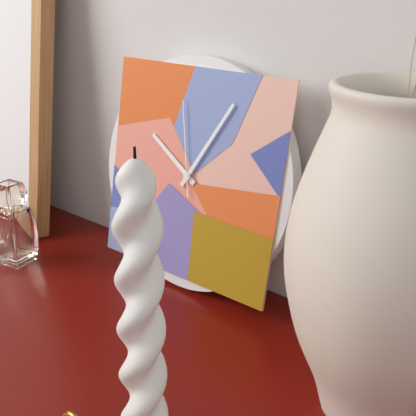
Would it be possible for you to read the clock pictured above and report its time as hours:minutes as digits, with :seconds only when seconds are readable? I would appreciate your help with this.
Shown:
10:05:58
